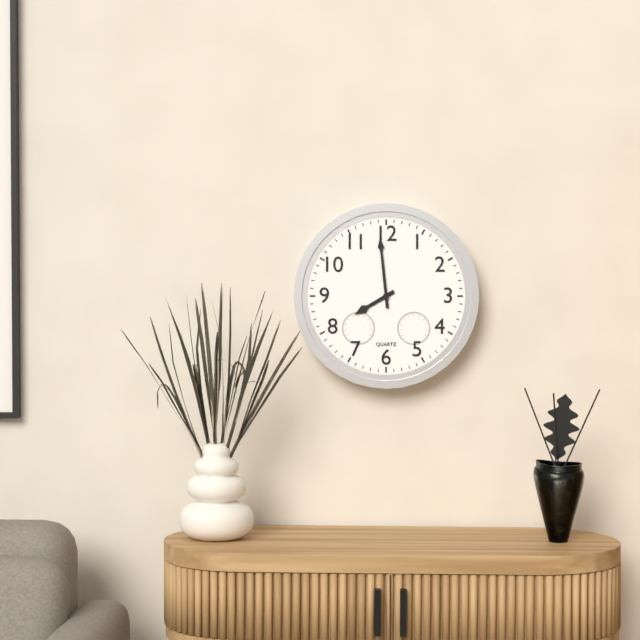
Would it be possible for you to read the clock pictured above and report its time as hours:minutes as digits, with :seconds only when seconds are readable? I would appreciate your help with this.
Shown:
7:59
